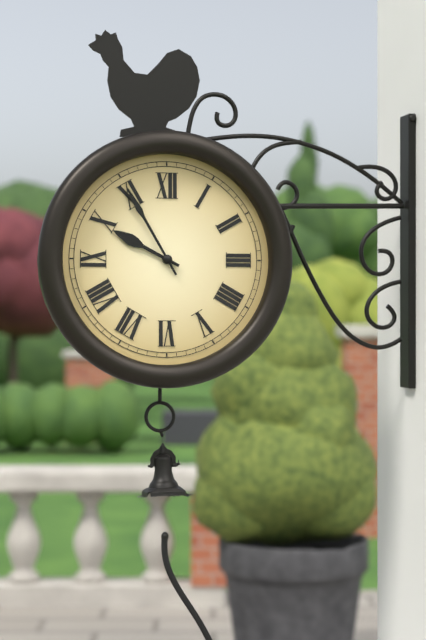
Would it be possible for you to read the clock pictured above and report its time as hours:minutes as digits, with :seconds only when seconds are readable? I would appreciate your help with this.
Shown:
9:55
